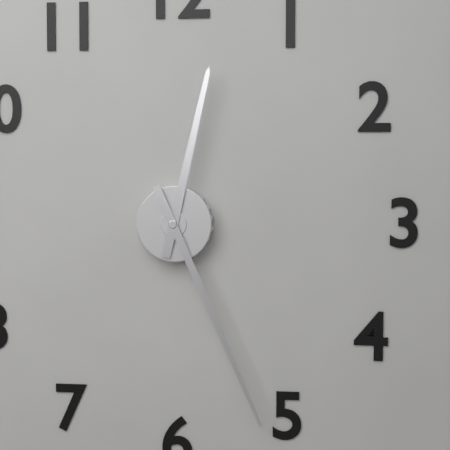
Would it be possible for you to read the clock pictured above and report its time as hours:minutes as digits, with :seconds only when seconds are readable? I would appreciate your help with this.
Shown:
12:26
